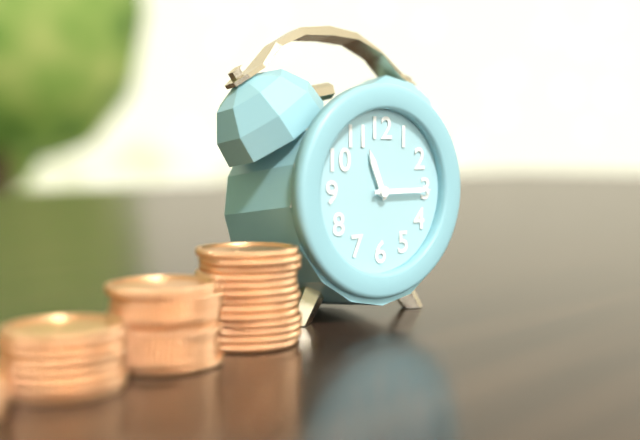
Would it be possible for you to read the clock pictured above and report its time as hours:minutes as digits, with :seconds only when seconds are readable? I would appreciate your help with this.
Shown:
11:15
